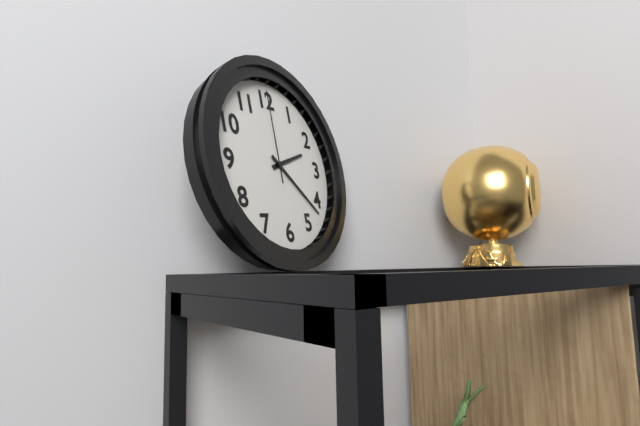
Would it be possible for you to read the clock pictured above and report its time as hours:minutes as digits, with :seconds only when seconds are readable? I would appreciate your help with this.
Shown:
2:22:00
